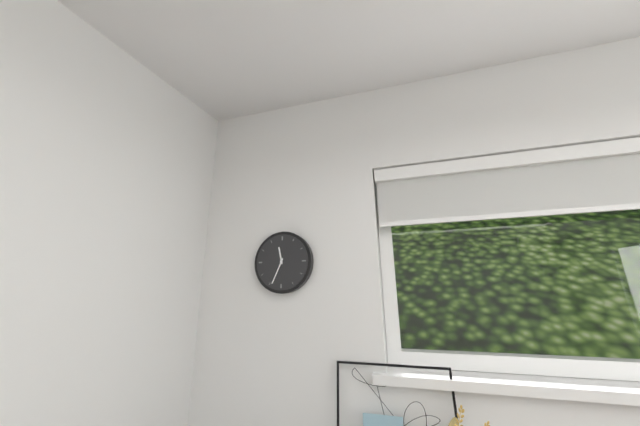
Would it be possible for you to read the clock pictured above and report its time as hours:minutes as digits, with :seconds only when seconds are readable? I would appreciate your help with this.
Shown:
11:34
